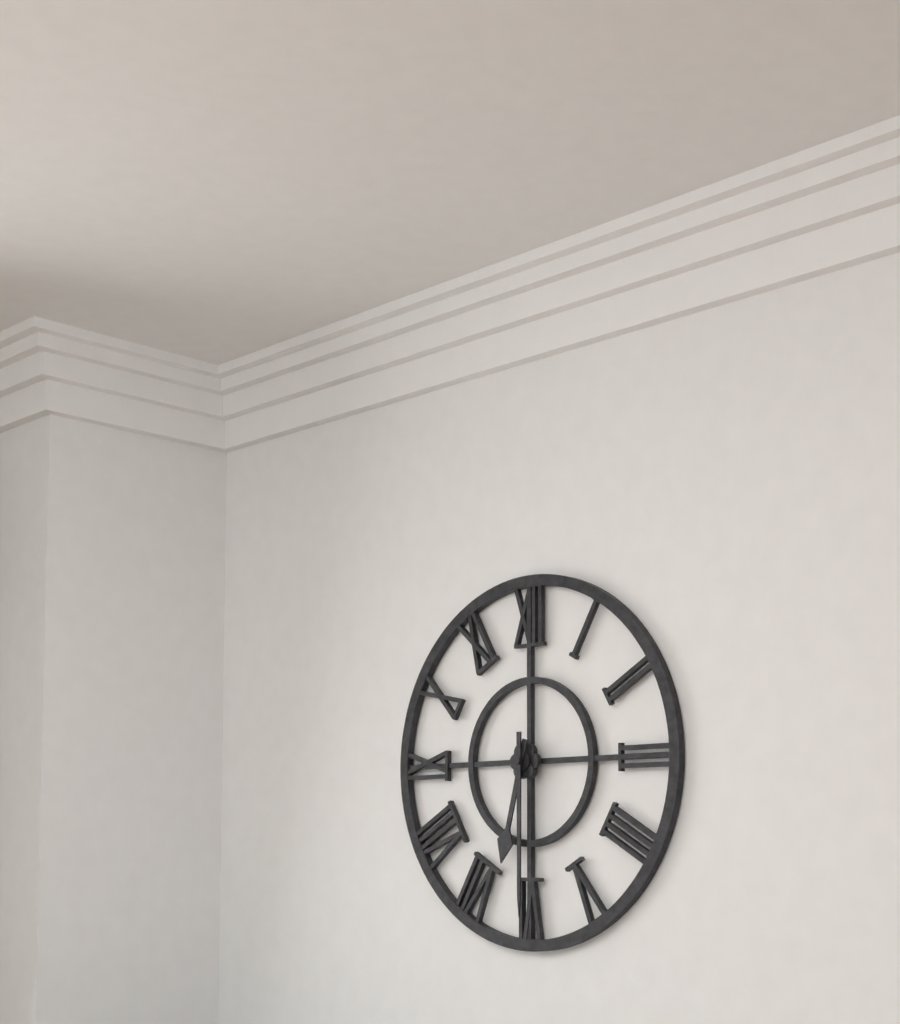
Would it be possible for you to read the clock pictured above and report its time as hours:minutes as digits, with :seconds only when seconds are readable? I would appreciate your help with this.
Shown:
6:30
